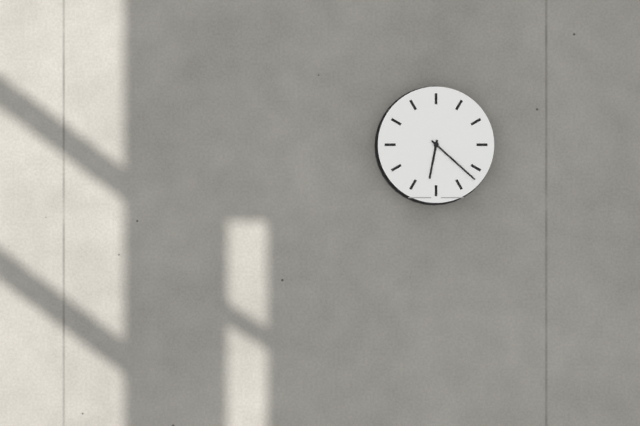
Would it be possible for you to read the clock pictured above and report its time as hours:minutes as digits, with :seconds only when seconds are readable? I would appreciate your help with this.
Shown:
6:22
